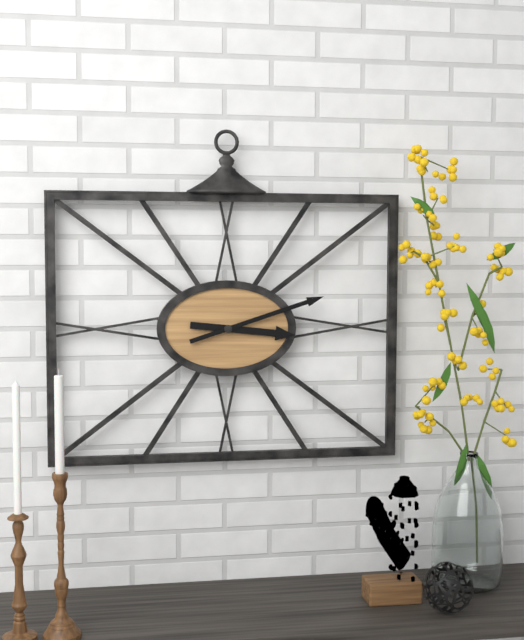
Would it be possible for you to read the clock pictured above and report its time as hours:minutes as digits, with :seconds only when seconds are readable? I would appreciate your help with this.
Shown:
3:12
